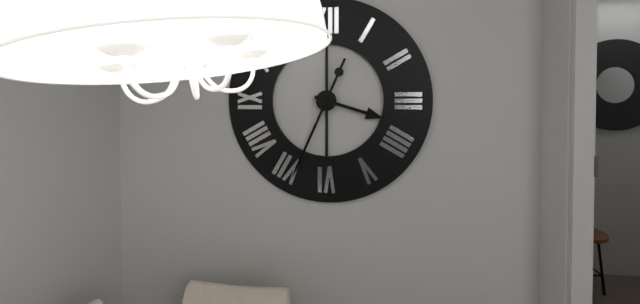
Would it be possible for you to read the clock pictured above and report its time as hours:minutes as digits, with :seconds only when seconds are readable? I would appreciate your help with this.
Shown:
3:34
